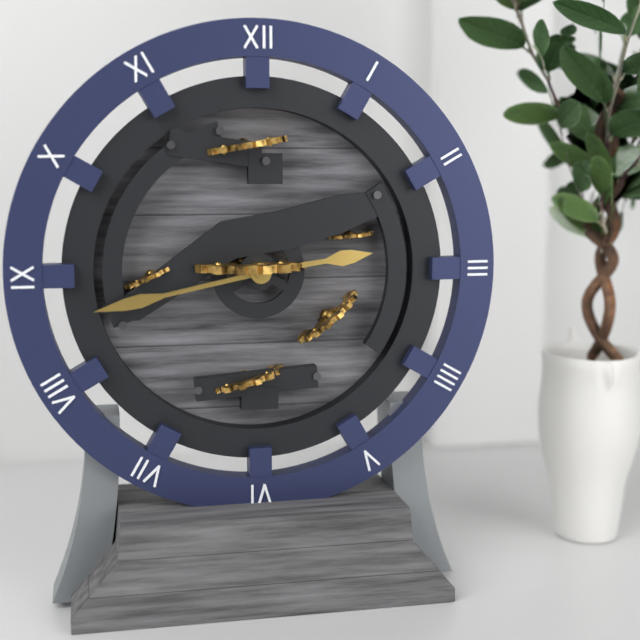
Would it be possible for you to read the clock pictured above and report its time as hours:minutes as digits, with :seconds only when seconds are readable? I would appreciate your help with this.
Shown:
2:43
